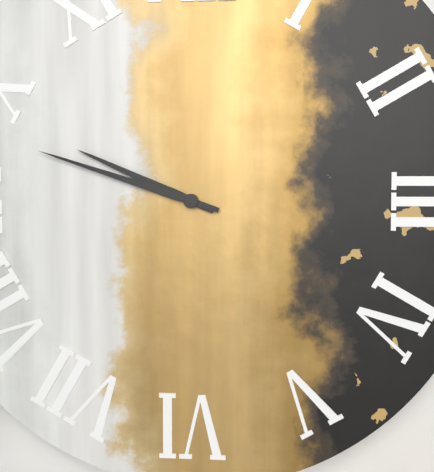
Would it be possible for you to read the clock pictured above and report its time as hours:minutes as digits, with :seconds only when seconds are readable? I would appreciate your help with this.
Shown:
9:48
